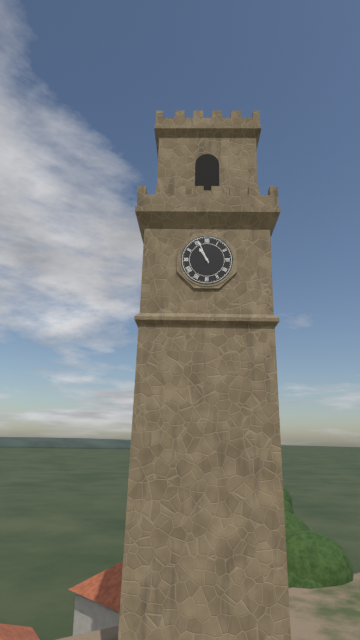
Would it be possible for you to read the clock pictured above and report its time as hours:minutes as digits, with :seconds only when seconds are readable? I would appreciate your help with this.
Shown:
10:56
